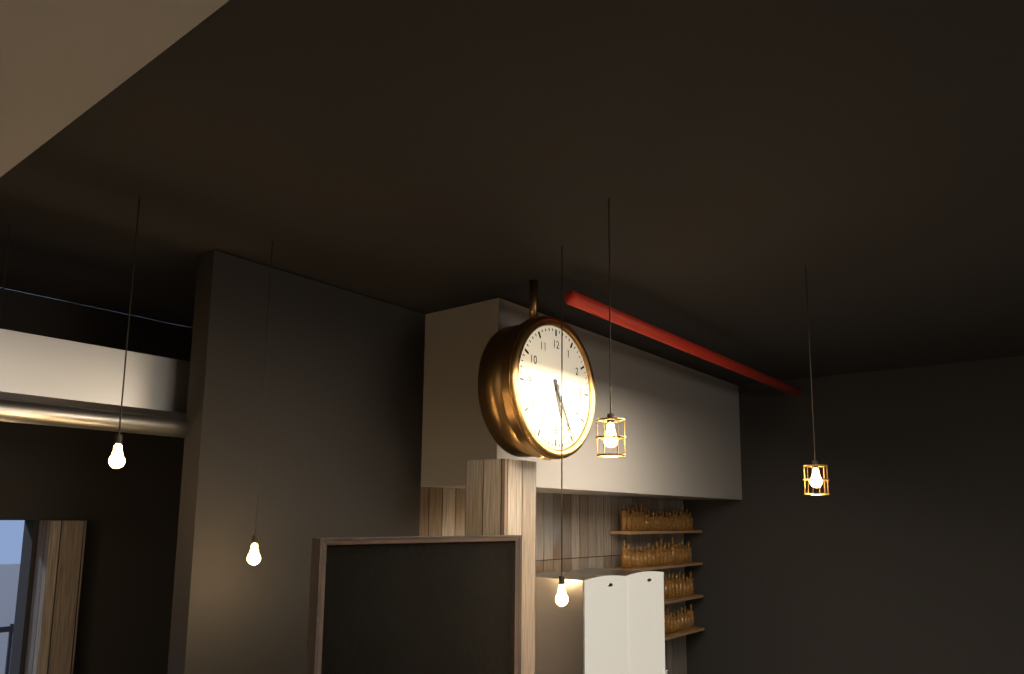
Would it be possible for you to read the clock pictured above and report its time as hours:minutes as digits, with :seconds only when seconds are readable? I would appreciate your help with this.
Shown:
5:25
